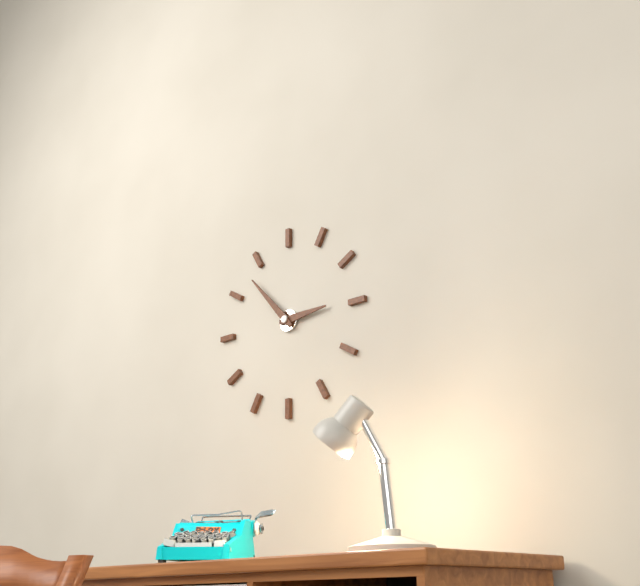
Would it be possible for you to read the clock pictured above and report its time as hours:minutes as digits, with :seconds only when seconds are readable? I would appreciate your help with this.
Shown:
2:53
